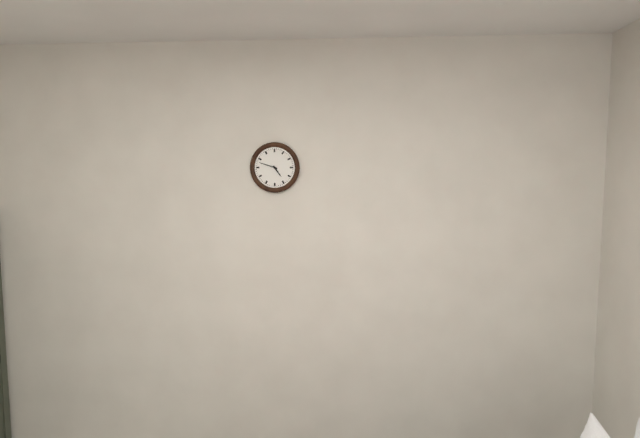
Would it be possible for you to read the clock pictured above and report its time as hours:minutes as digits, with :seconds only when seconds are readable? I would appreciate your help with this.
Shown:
4:48
